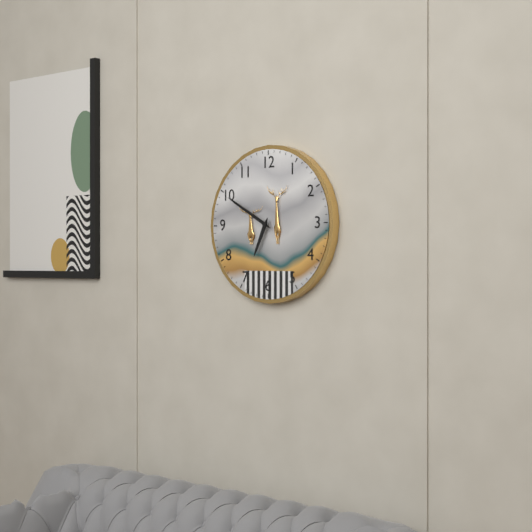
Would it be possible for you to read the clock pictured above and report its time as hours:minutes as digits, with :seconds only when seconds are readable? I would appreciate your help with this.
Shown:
6:50
